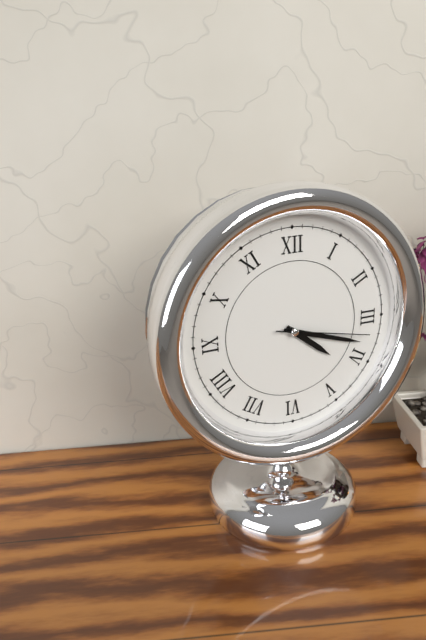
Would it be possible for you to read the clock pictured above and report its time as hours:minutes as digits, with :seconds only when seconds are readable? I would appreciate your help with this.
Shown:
4:18:17
